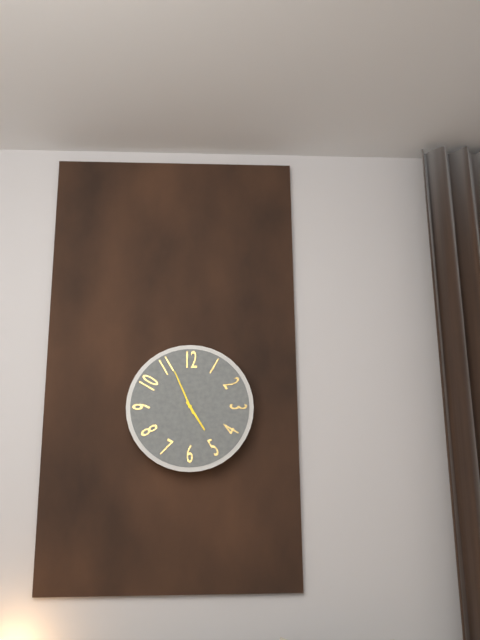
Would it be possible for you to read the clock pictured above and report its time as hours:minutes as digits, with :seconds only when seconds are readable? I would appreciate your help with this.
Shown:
4:56
